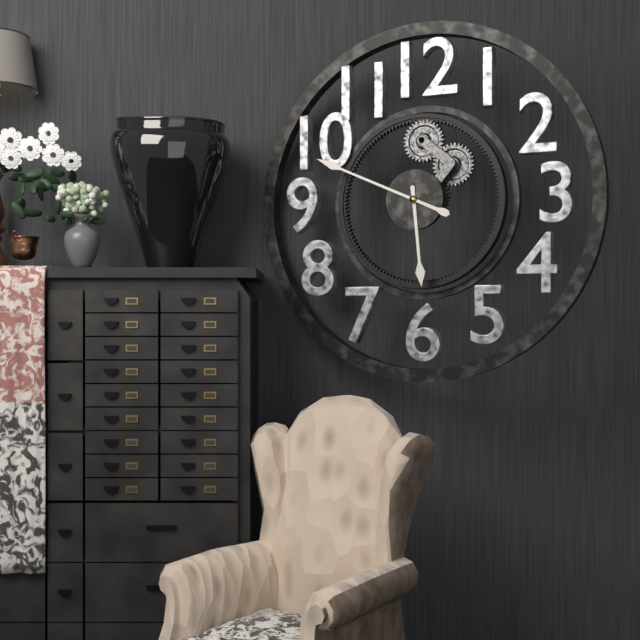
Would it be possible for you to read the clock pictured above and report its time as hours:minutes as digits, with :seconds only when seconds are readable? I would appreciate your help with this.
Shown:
5:49
